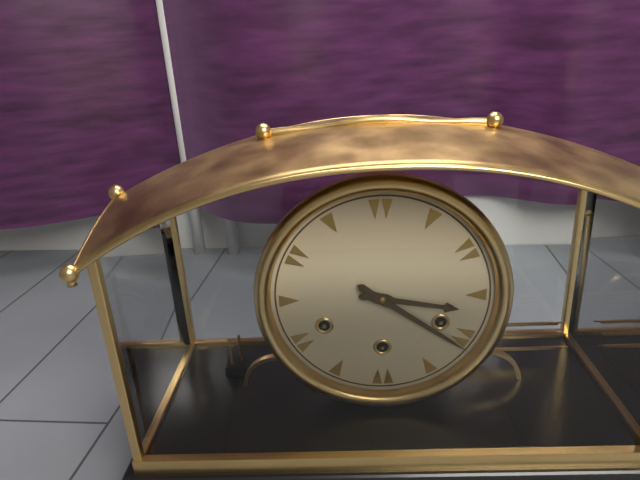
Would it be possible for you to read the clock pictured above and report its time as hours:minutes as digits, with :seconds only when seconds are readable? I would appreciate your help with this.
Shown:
3:21
